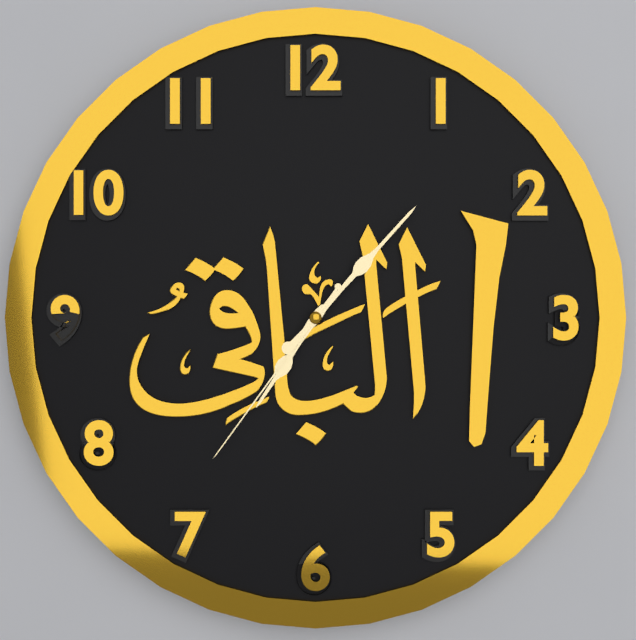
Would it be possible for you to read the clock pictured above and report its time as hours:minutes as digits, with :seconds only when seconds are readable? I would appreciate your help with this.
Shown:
7:07:36
